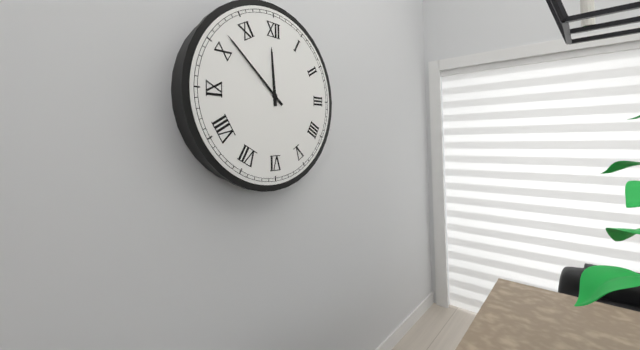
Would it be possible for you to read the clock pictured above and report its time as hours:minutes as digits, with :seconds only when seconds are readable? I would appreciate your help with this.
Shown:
11:52
